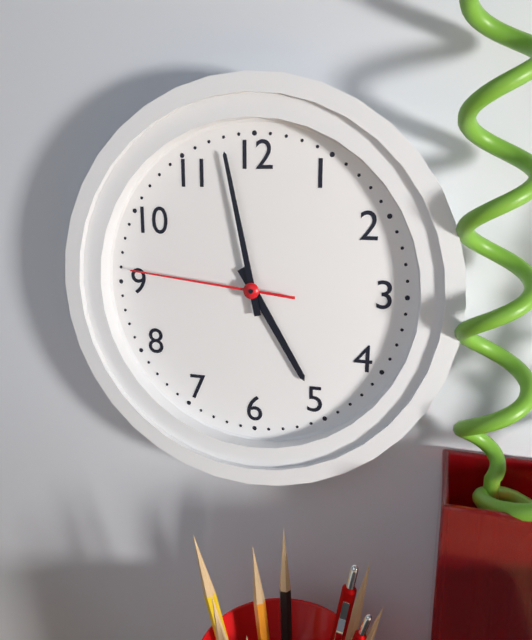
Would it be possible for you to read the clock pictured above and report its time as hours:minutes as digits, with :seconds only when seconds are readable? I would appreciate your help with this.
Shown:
4:58:46
